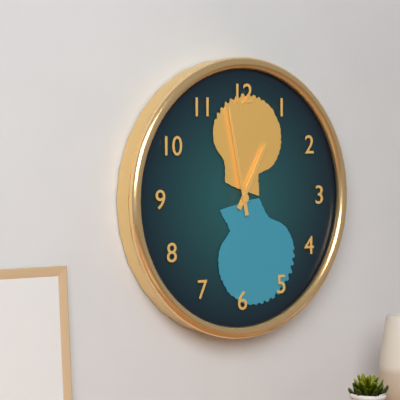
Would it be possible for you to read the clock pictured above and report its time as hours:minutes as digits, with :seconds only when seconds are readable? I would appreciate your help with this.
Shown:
12:58
